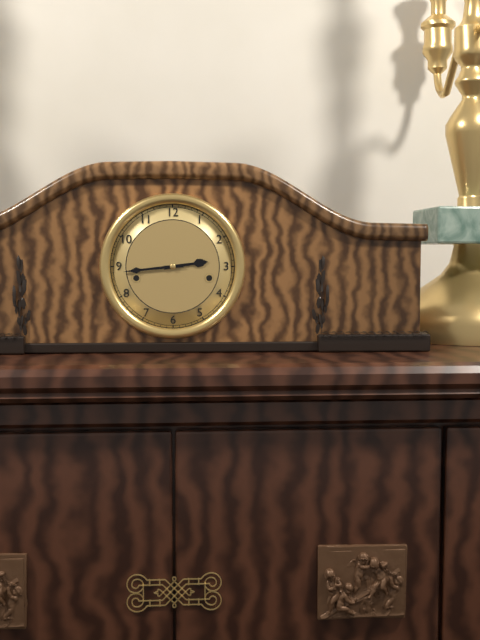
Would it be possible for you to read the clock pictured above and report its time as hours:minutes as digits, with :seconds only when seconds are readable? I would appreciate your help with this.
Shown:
2:44
